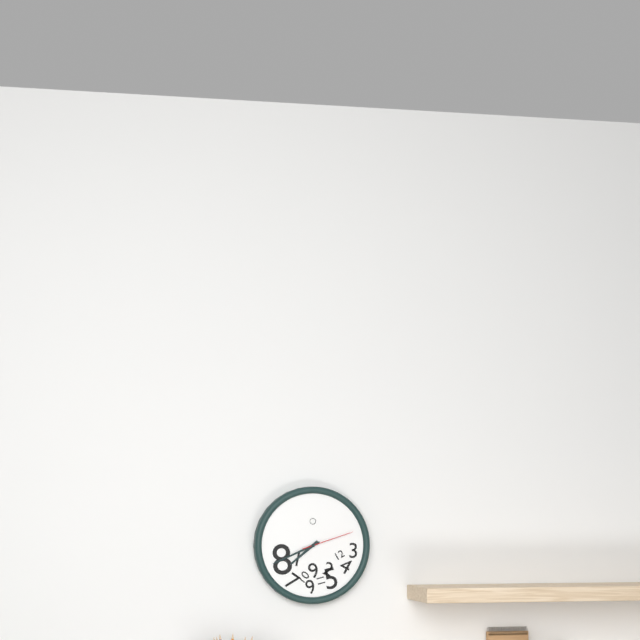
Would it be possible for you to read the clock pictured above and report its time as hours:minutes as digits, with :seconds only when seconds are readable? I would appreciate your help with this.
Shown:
7:41:12
